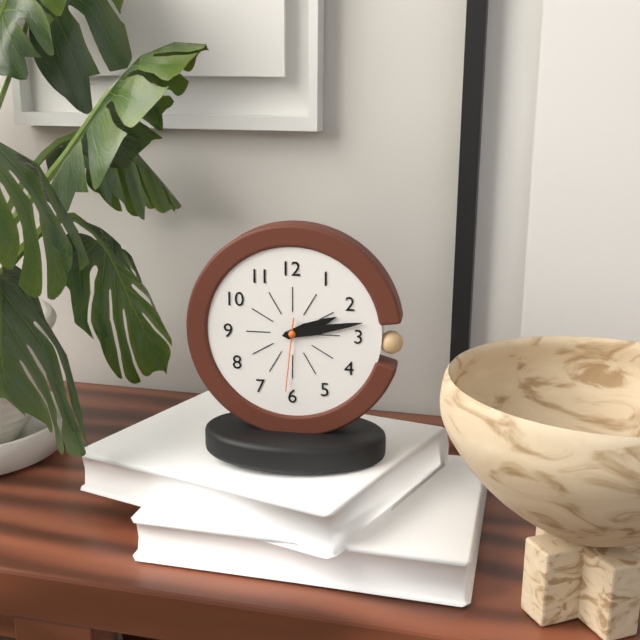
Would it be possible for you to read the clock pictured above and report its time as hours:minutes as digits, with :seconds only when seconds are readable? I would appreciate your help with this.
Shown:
2:13:31
